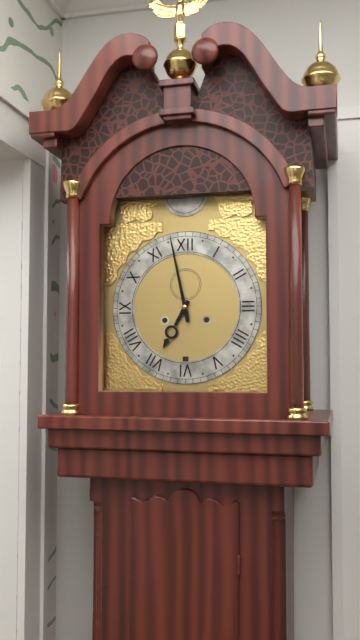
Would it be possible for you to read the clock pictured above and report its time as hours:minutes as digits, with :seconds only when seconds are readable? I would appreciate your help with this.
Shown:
6:58
